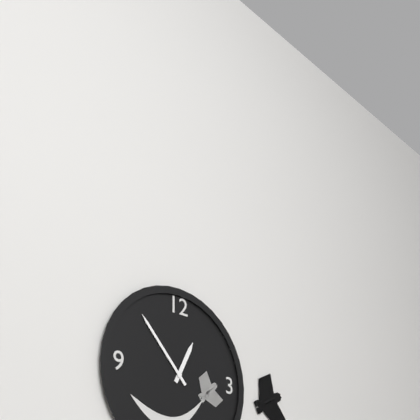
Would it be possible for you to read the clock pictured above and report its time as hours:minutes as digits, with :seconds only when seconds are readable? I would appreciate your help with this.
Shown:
12:53
